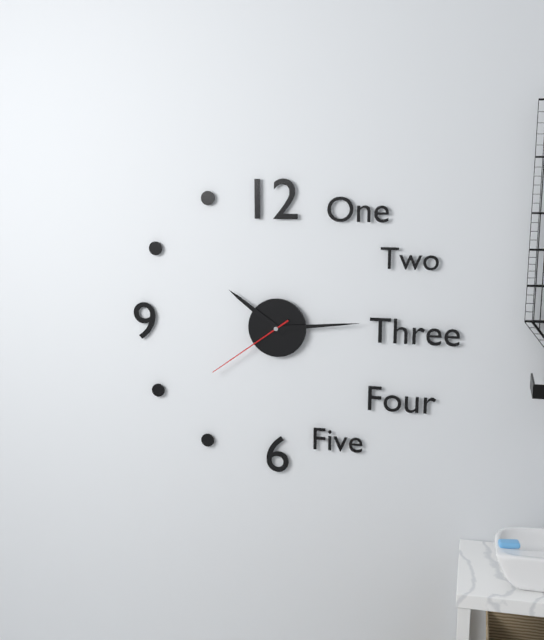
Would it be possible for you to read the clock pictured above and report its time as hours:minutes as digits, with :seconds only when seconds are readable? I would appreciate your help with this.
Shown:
10:14:39
